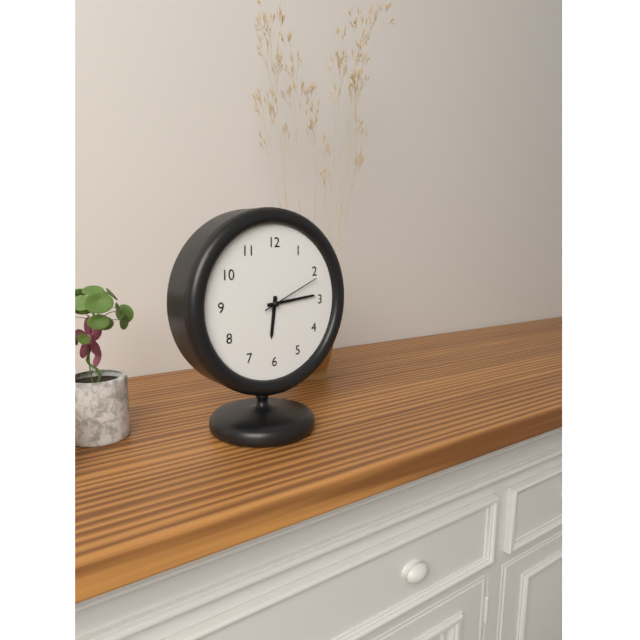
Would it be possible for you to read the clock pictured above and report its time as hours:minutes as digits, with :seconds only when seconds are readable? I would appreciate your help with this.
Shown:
6:14:11
